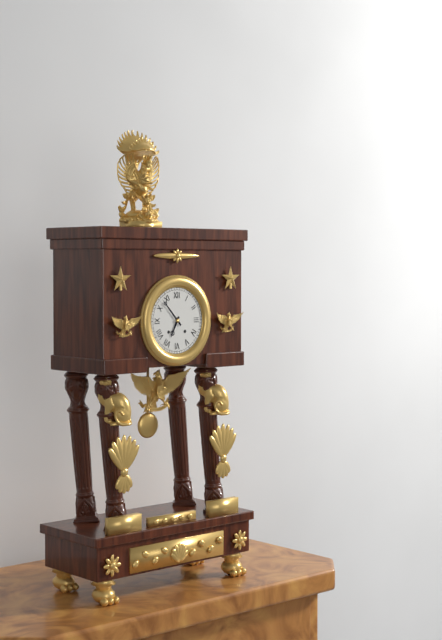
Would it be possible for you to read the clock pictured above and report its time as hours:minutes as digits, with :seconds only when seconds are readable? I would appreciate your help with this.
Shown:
6:53
